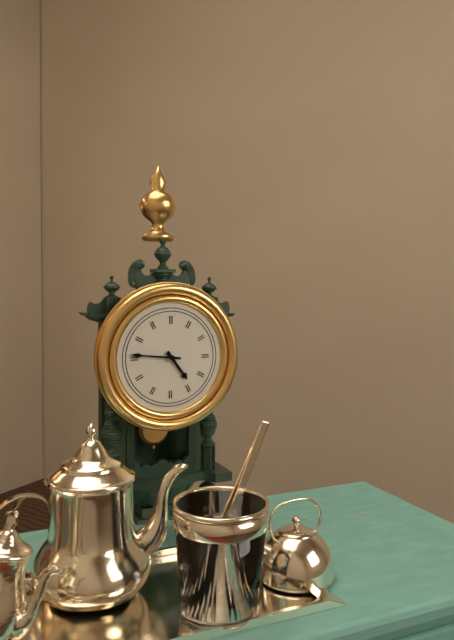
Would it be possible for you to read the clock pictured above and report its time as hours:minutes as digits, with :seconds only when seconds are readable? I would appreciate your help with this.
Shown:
4:46
